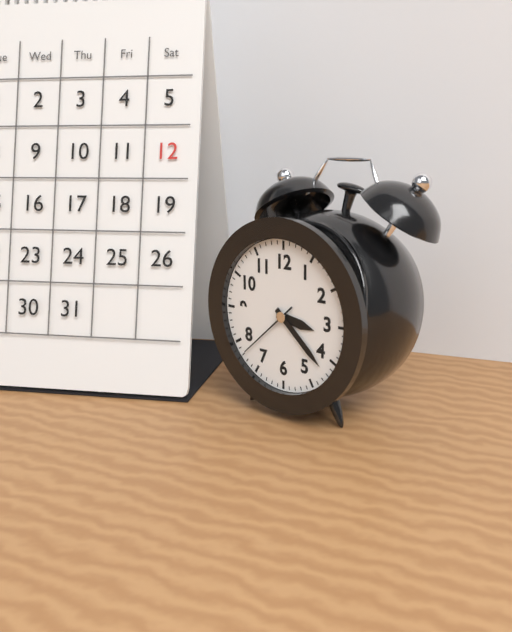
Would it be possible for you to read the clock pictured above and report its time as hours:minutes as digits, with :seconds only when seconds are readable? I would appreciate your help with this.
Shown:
3:22:38
